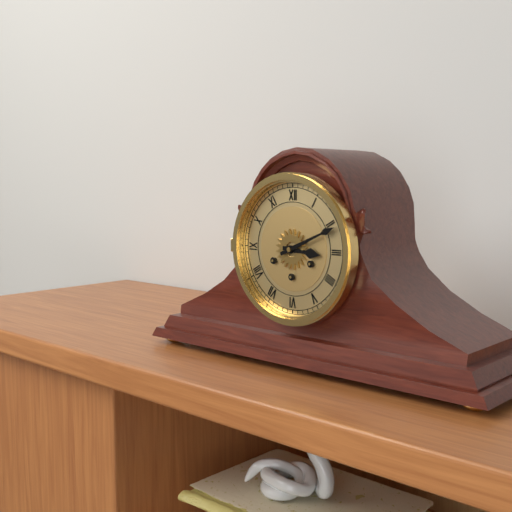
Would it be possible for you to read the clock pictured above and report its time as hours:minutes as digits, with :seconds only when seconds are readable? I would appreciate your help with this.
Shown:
3:11
